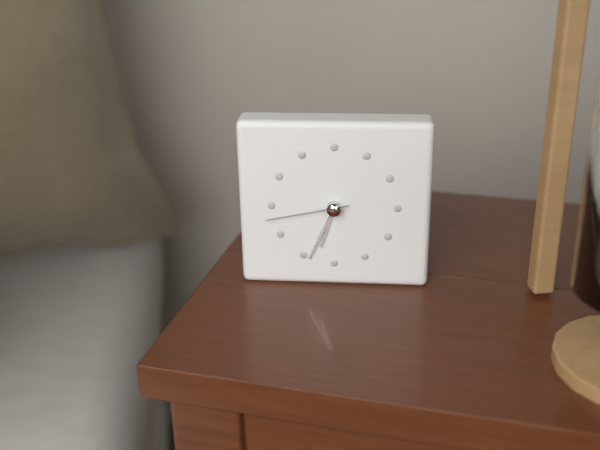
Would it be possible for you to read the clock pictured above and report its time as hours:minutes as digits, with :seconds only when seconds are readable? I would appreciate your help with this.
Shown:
6:34:43
